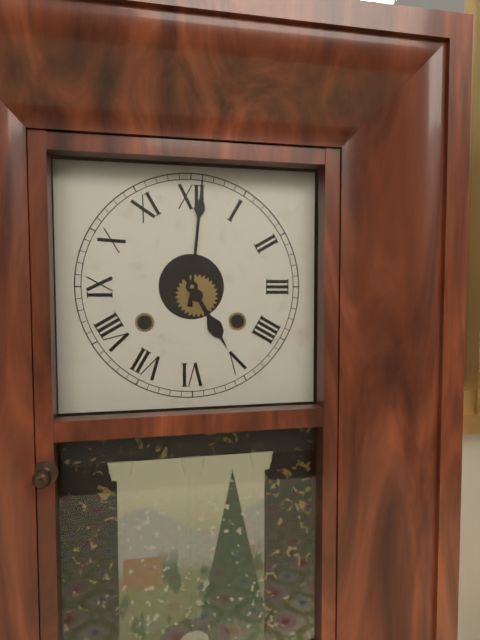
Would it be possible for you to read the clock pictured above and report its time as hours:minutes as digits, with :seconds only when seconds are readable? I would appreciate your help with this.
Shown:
5:01
